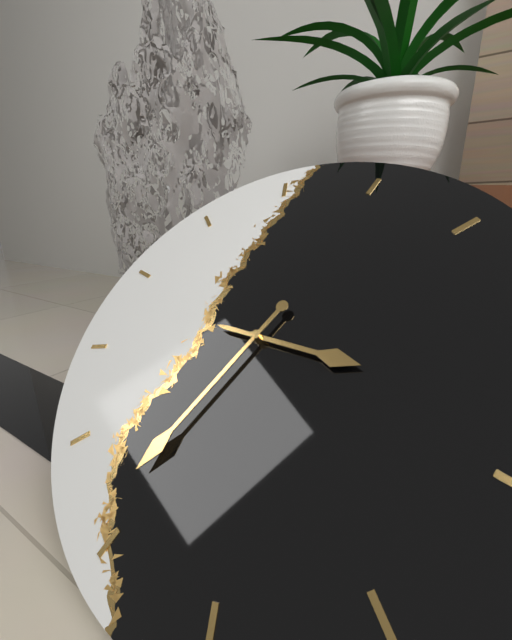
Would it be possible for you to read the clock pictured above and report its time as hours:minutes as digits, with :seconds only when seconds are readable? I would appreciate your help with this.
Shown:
3:36
